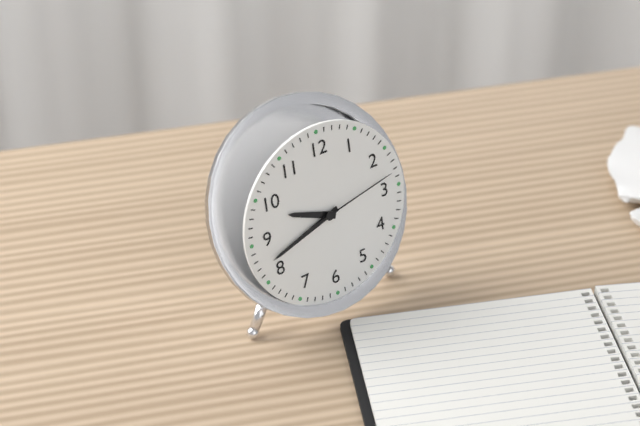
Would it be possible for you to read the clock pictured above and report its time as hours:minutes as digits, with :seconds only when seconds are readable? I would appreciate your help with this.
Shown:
9:42:13
